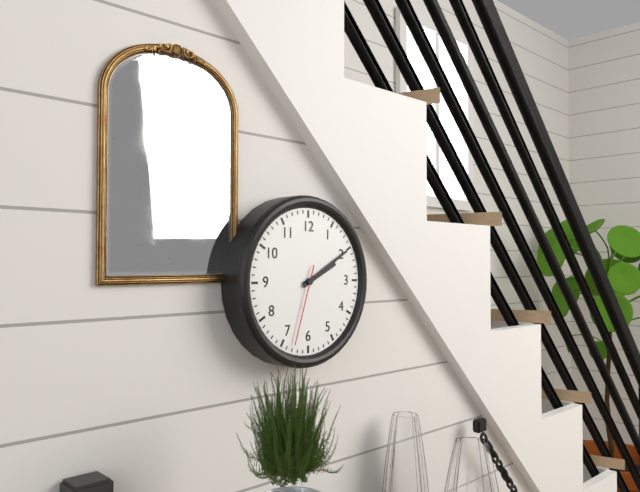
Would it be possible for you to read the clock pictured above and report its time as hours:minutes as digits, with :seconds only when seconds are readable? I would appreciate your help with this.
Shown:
2:10:33
